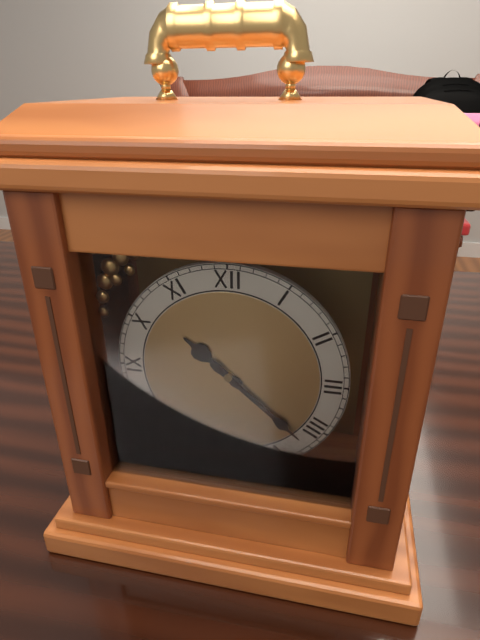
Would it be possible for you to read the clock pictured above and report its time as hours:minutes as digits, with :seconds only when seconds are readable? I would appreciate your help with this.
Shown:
10:22
